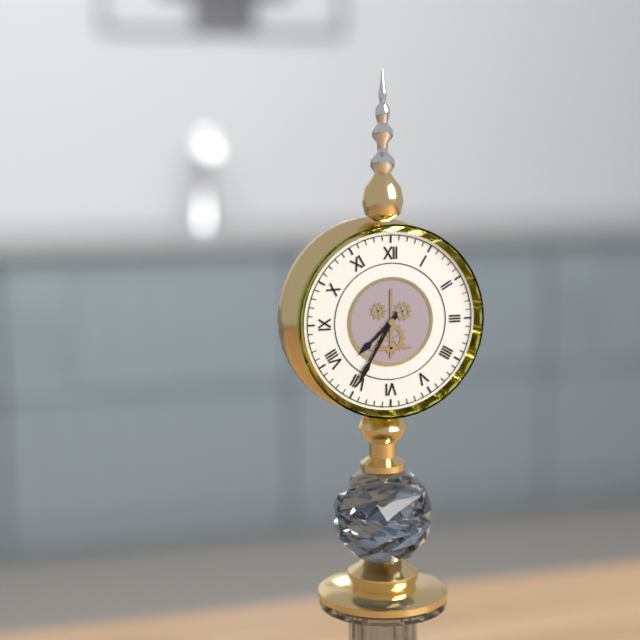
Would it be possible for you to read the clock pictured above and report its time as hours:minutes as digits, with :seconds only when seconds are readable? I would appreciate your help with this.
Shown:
7:35
